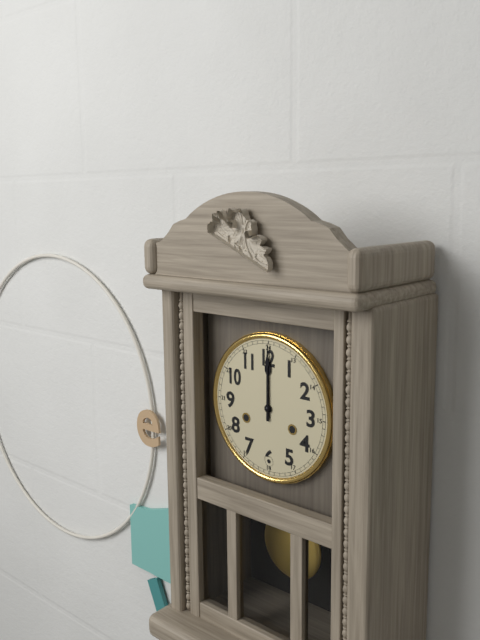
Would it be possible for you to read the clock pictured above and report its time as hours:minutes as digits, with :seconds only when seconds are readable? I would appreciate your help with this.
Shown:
12:00
